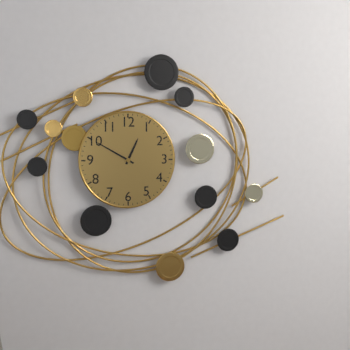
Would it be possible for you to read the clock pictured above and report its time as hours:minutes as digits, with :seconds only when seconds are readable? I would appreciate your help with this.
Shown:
12:50
